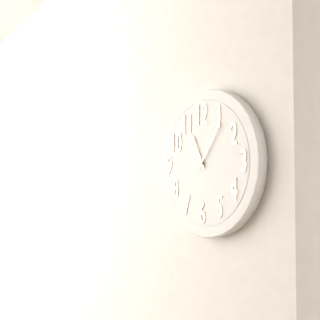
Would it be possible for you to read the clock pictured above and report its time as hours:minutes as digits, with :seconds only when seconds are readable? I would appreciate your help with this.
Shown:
11:06
